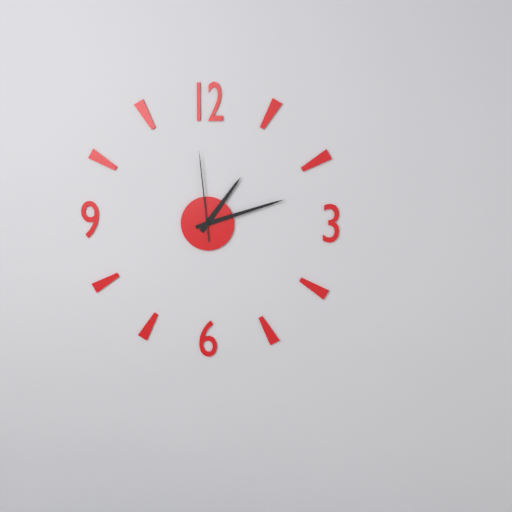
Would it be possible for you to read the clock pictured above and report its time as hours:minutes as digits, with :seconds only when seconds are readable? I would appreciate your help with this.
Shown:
1:12:59
